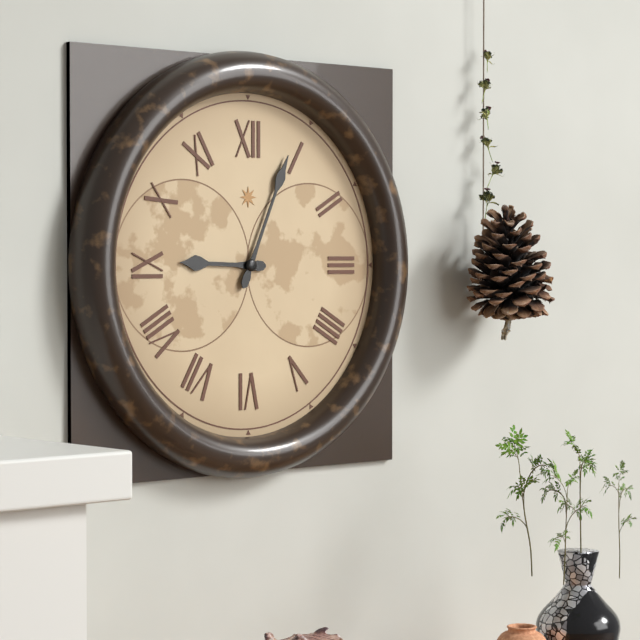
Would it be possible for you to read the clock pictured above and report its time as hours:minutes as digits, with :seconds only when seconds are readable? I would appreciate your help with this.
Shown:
9:04
